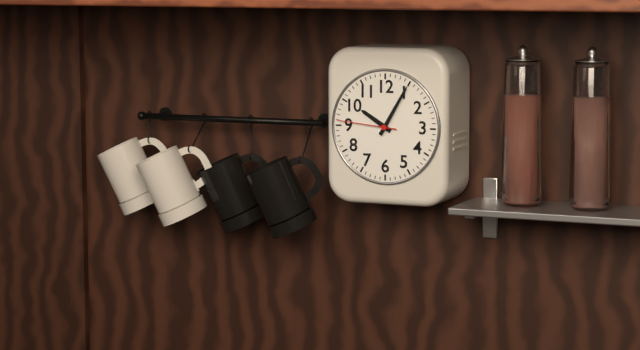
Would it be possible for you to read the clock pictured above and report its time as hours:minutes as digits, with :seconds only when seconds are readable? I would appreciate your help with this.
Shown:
10:05:46
